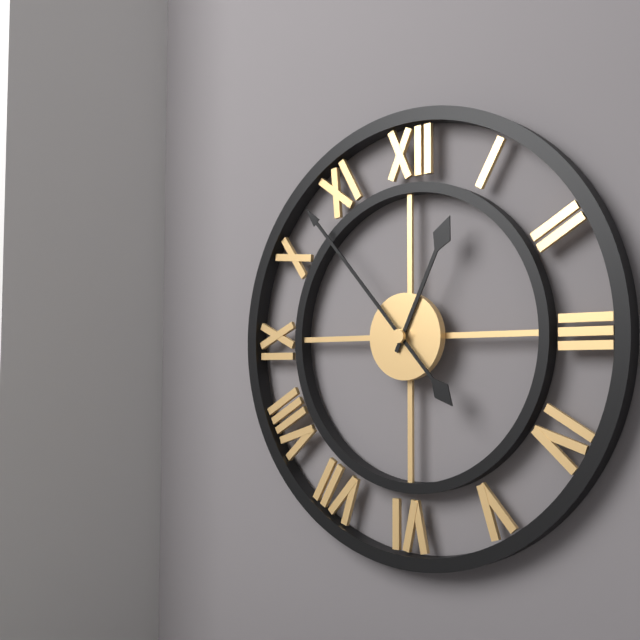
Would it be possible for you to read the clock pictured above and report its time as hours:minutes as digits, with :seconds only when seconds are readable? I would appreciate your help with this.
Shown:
12:53
